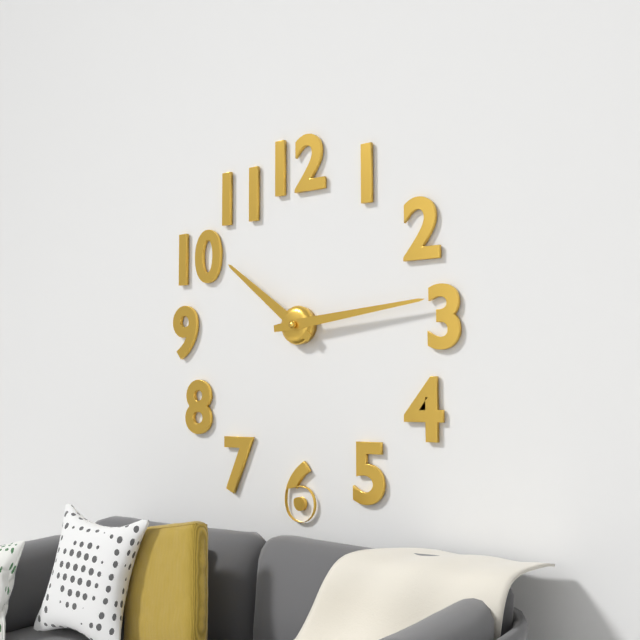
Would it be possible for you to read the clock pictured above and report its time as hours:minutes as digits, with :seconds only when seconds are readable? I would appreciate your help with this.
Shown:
10:14
